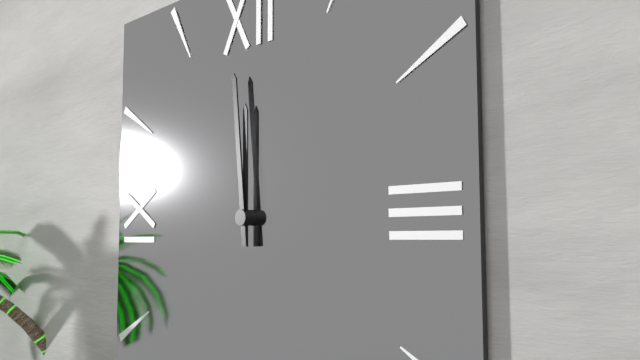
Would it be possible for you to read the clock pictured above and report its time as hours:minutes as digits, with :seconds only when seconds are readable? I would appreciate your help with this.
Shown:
11:59
